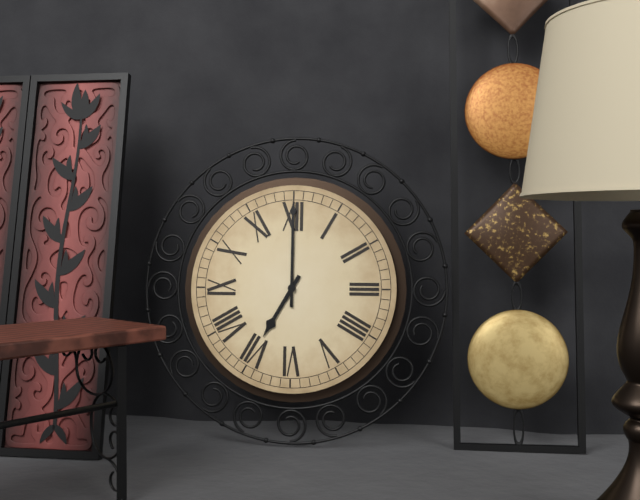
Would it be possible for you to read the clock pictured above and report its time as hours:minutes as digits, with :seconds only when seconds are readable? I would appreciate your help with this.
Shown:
7:00
